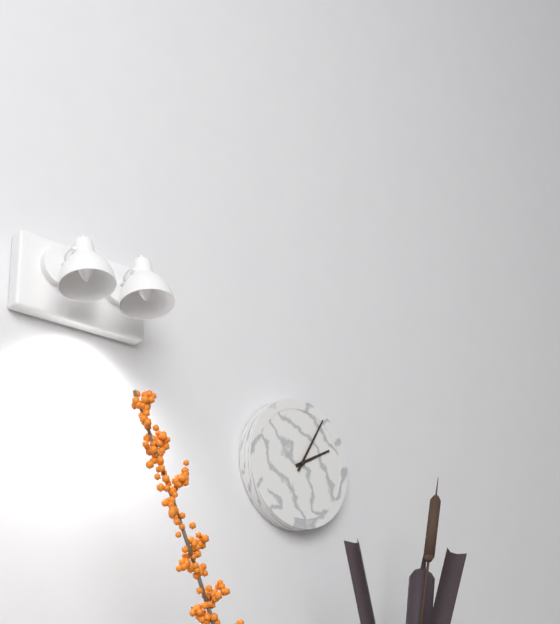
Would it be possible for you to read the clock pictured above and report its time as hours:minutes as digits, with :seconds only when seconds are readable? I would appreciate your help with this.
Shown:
2:05
